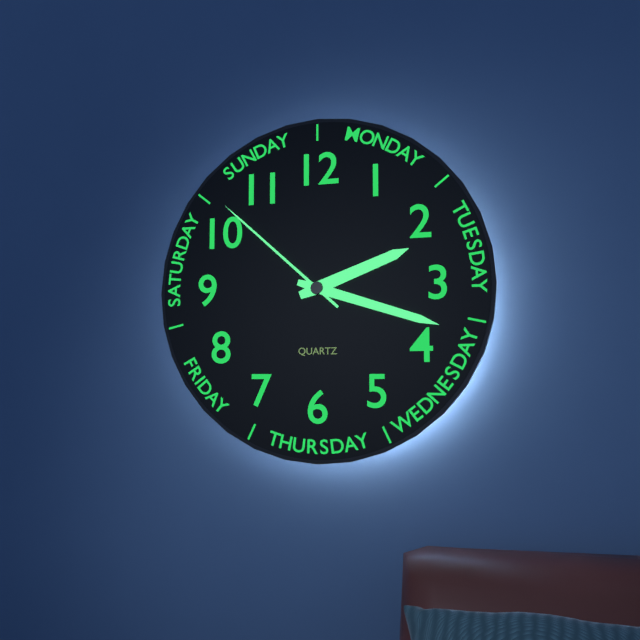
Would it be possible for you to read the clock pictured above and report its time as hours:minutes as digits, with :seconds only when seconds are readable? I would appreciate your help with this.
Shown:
2:18:52
